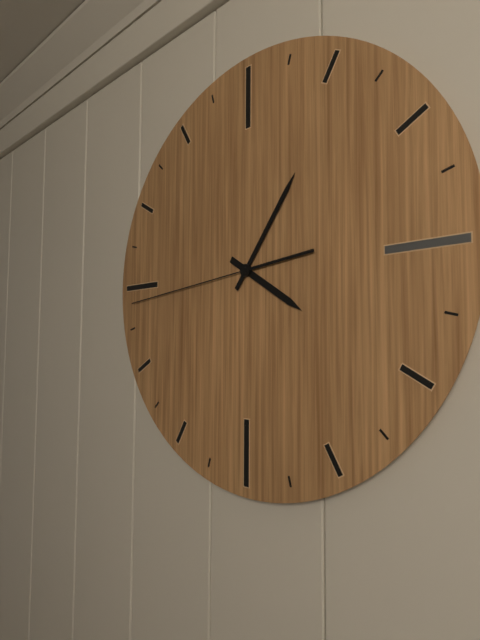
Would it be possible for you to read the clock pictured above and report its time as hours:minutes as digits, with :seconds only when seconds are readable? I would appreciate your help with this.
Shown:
4:06:44
